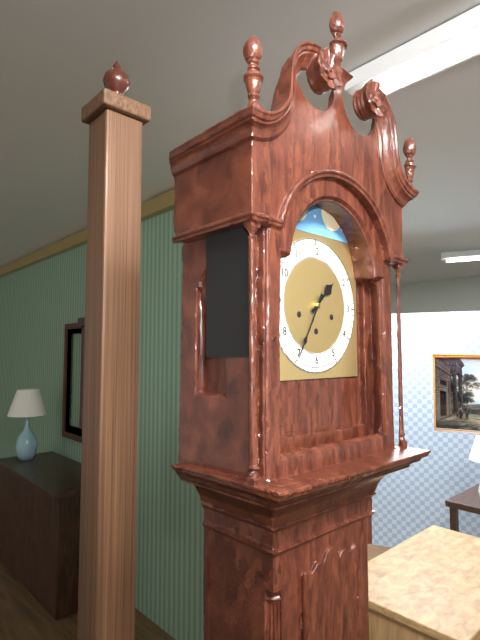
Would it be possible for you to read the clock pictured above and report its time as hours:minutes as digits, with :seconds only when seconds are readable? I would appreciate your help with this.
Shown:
1:35
